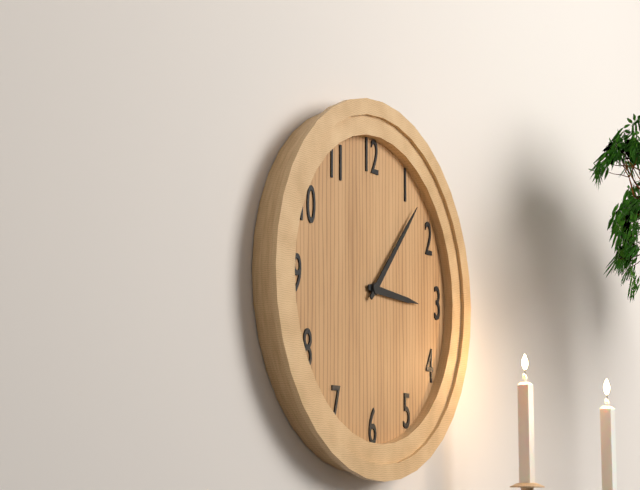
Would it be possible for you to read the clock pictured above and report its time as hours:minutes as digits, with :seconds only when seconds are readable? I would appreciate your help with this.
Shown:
3:07
